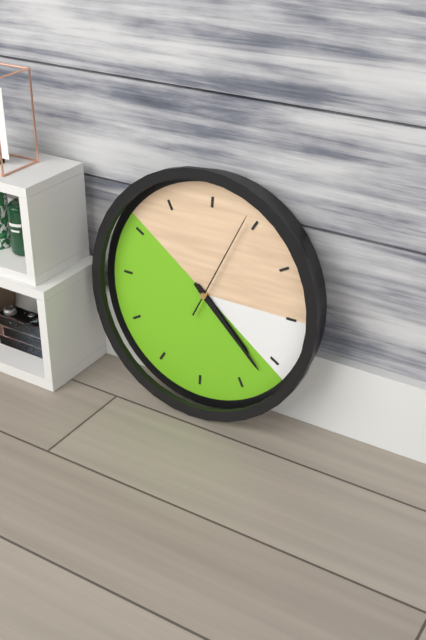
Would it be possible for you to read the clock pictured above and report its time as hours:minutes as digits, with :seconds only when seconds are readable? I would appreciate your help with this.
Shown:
4:22:04
